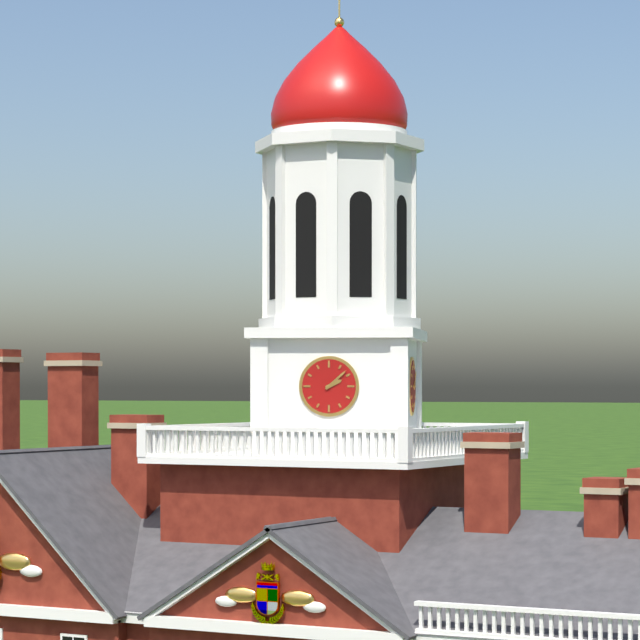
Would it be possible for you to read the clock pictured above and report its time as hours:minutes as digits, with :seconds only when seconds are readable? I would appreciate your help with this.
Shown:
2:08
